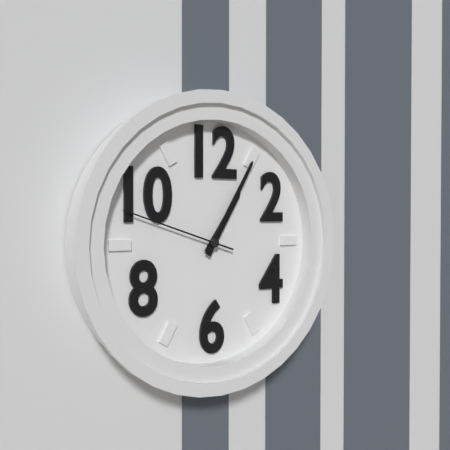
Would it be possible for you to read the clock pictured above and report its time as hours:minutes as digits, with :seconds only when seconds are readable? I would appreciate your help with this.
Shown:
1:05:48
